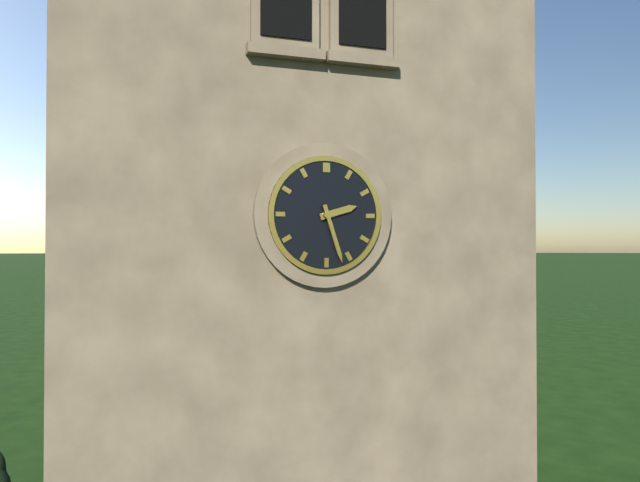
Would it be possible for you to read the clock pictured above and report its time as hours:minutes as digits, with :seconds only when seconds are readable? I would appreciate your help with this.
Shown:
2:27
